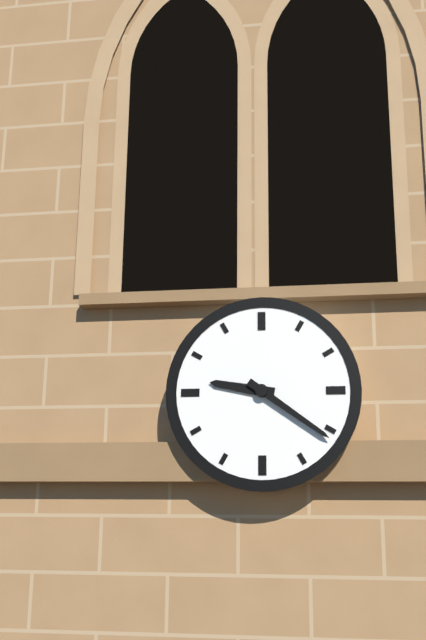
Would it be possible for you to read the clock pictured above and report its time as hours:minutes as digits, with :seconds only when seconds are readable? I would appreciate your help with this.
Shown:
9:21
